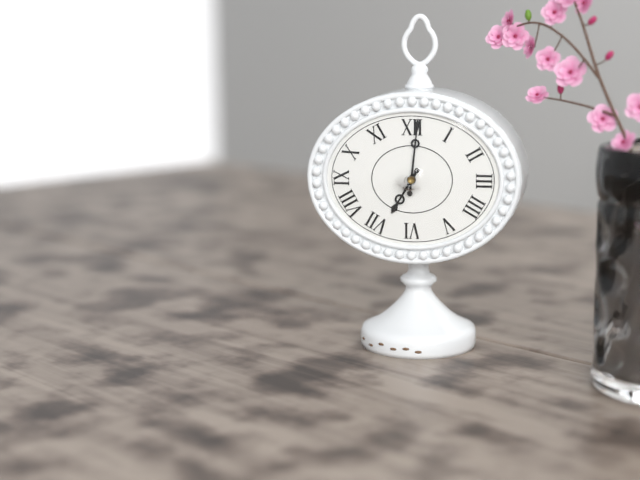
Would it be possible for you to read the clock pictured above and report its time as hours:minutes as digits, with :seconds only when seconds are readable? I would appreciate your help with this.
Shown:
7:01
